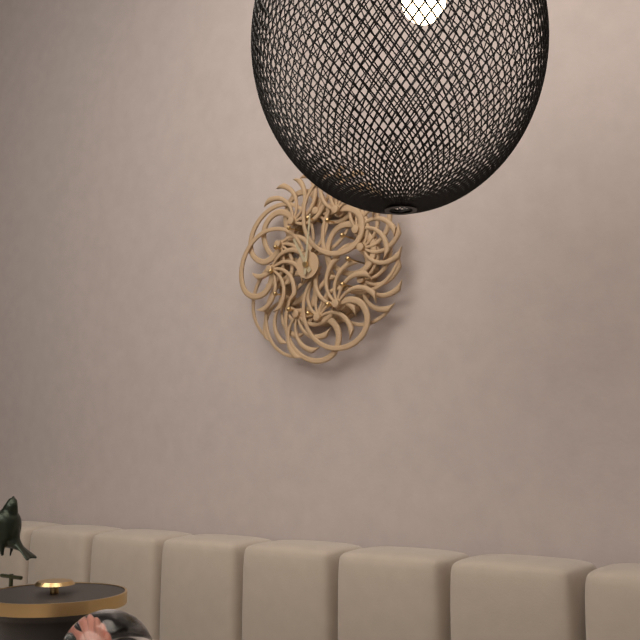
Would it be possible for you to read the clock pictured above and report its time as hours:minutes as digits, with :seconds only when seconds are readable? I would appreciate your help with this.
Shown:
11:01
